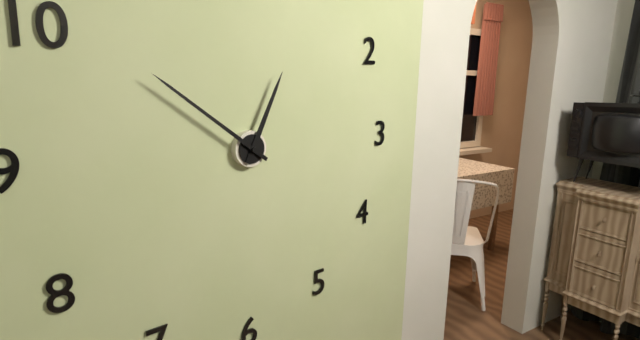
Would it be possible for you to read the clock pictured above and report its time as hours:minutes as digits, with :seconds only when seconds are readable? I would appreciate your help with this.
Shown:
12:51
